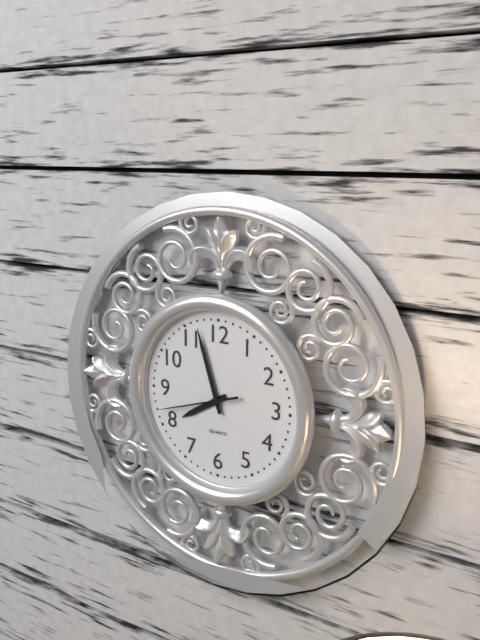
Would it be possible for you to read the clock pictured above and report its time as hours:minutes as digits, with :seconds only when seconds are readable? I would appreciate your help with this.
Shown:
7:57:42
